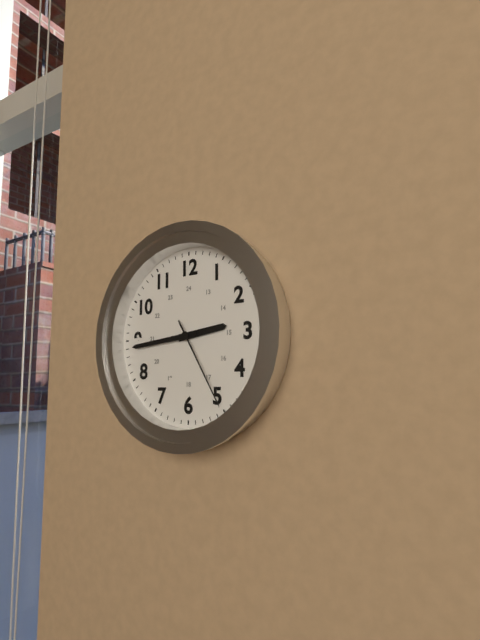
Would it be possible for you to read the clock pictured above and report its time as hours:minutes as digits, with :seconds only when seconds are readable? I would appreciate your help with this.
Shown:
2:44:25
